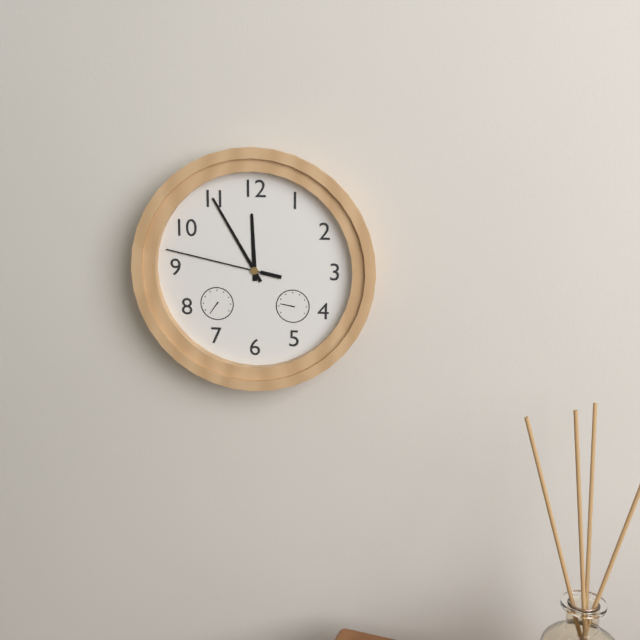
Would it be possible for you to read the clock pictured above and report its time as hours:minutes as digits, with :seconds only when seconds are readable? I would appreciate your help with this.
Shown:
11:55:47
